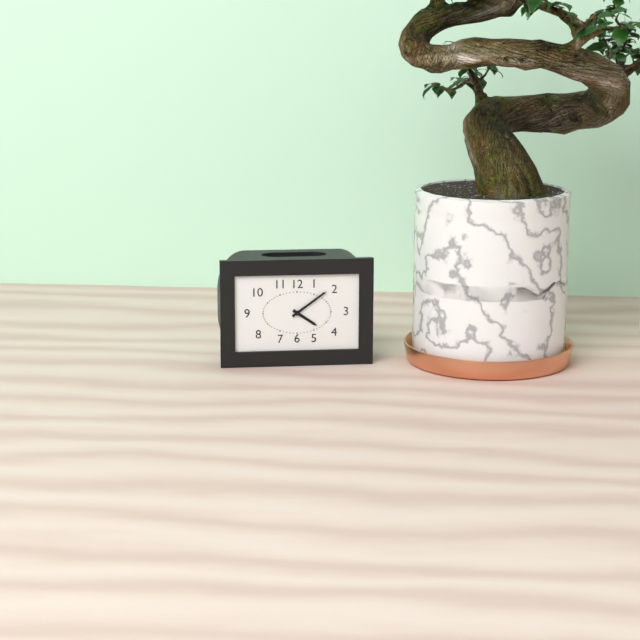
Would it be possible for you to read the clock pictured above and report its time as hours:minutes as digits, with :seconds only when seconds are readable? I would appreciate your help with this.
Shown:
4:09
